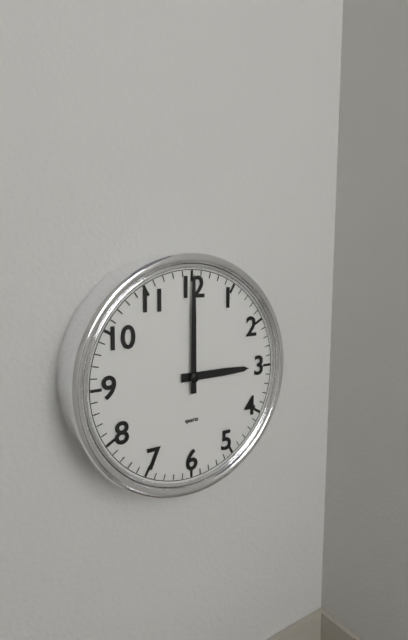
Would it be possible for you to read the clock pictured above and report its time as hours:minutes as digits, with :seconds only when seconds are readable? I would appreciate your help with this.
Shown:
3:00
